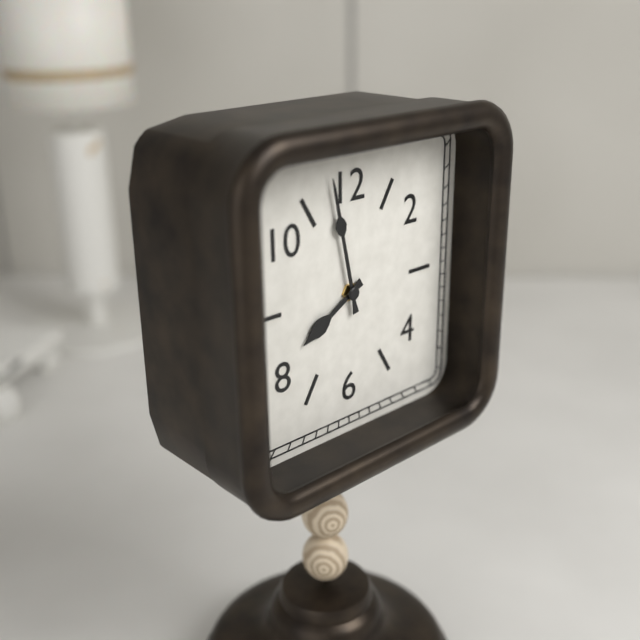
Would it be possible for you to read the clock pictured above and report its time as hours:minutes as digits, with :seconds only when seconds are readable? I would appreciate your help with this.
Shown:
7:58
